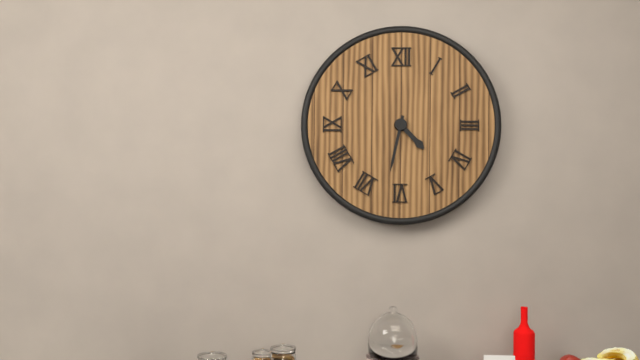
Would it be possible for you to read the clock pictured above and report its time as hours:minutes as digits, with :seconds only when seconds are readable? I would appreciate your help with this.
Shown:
4:32
